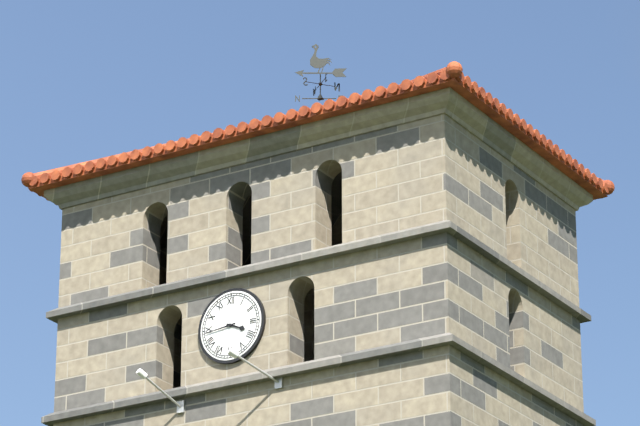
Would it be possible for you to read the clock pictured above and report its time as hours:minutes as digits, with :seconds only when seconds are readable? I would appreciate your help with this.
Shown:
3:44
